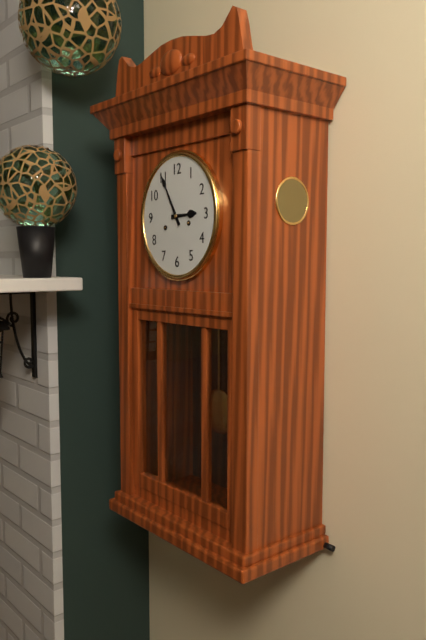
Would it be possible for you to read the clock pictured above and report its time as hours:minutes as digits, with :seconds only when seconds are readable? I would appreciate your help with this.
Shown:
2:55
